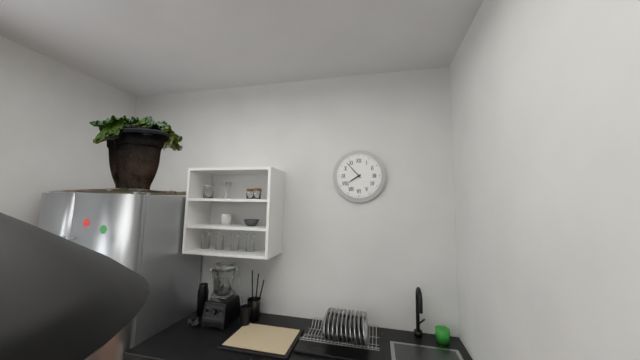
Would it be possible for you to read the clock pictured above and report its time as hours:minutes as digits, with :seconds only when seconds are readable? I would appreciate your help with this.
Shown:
7:53
